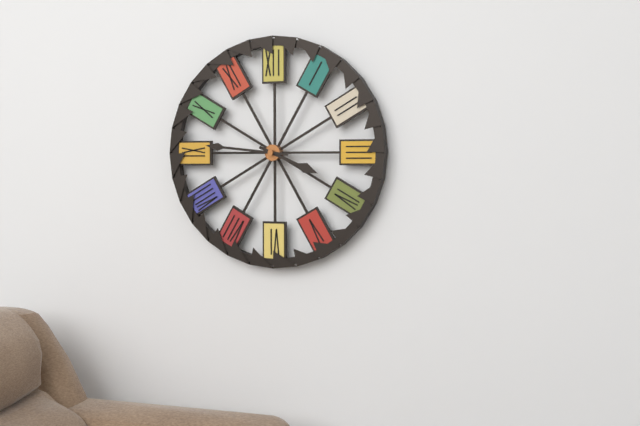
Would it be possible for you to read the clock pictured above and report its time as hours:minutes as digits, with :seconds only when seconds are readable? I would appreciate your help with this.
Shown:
3:46
